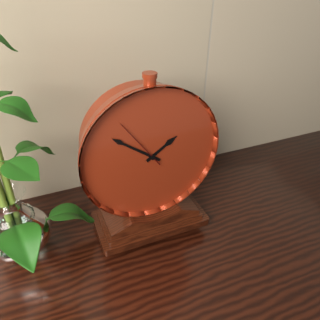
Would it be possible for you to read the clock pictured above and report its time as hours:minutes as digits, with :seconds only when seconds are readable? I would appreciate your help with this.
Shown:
1:51:54
